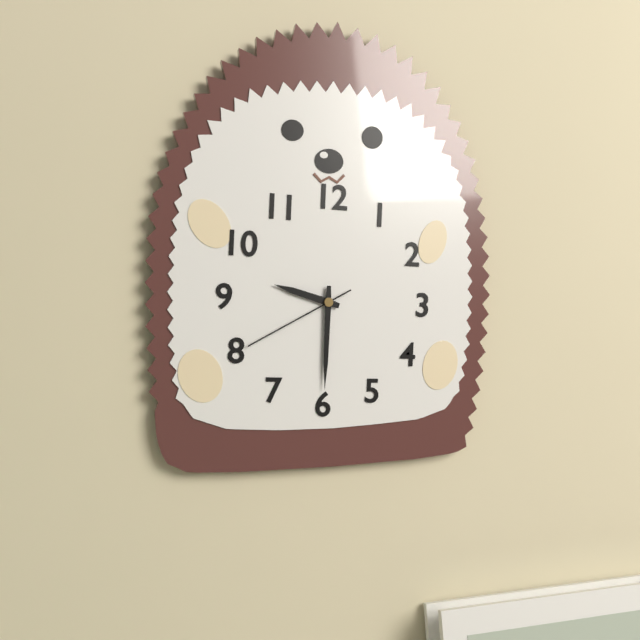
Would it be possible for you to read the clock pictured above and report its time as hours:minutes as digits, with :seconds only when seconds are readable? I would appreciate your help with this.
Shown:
9:30:40
